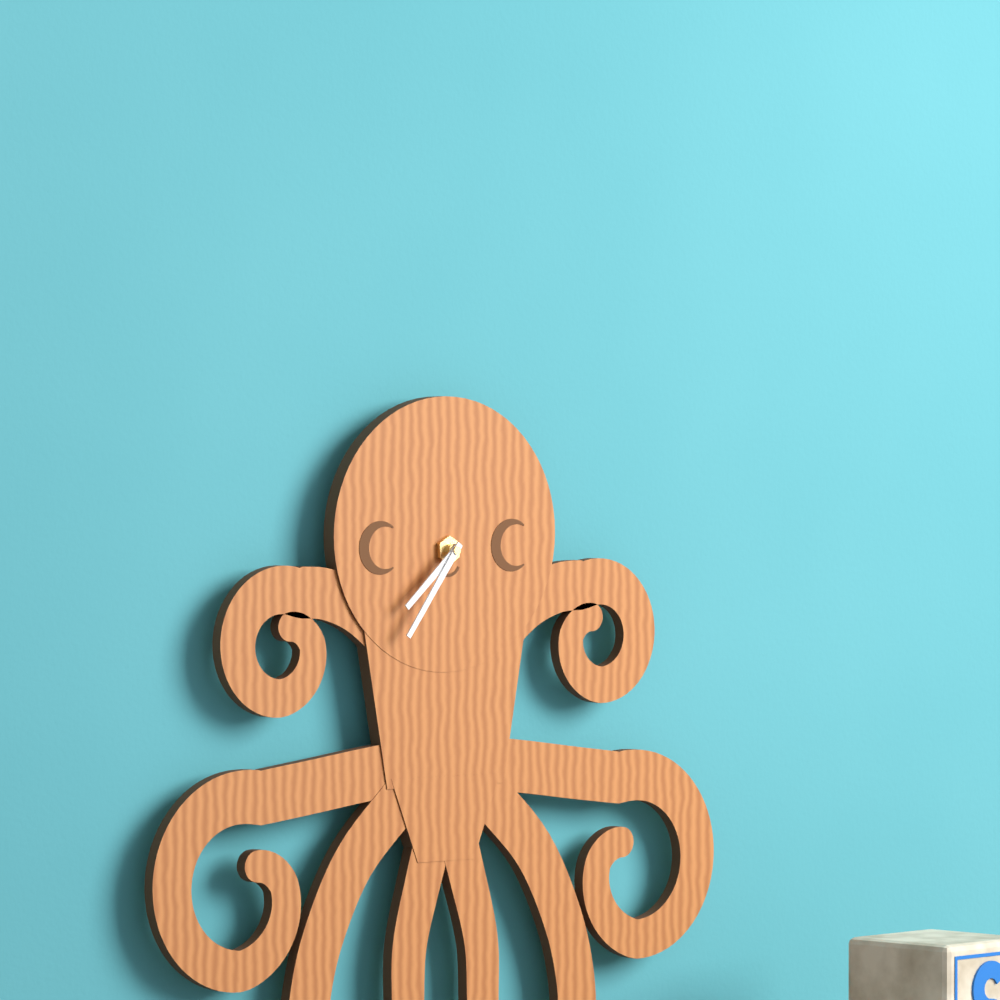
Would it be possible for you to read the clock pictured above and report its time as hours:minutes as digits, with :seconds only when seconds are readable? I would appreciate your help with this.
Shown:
7:36
